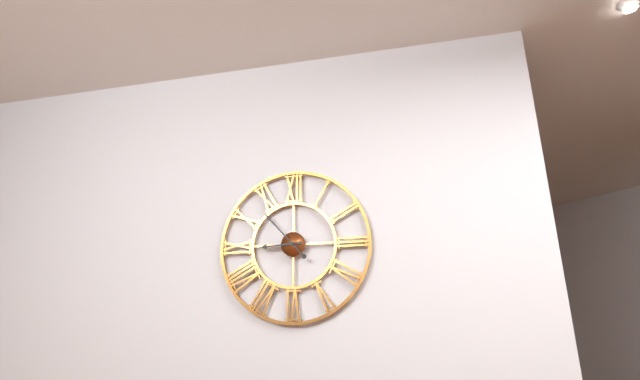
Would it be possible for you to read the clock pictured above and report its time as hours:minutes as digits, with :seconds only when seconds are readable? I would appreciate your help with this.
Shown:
8:53
